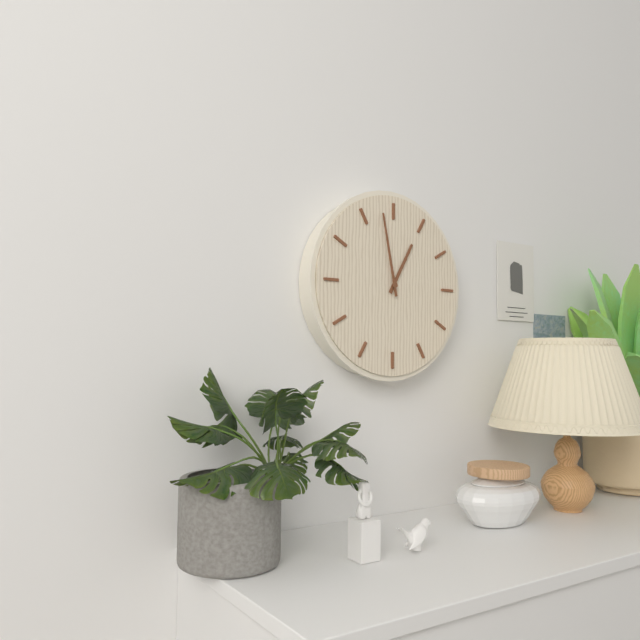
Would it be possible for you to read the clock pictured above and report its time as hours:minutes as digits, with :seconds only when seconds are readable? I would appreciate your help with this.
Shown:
12:58
